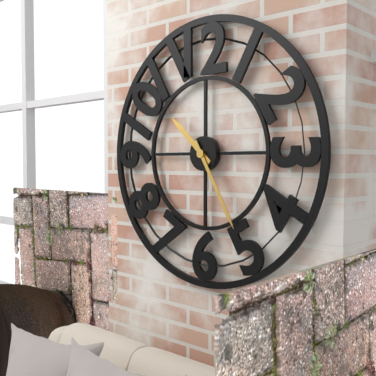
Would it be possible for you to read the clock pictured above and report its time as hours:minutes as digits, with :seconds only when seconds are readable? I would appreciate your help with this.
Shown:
10:25
